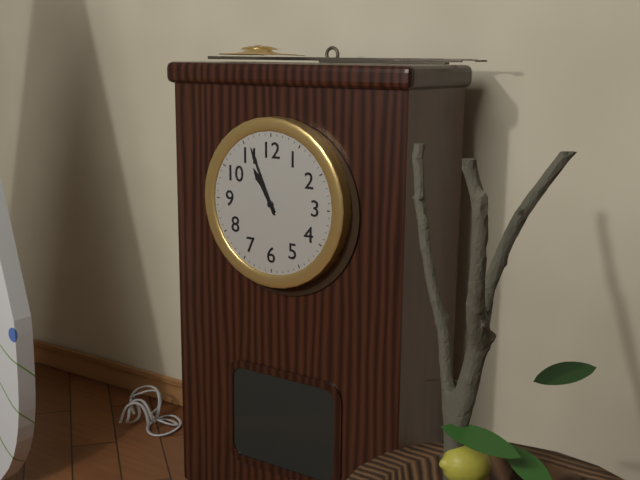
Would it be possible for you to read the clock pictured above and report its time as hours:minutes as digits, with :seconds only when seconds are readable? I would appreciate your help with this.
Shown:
10:56
